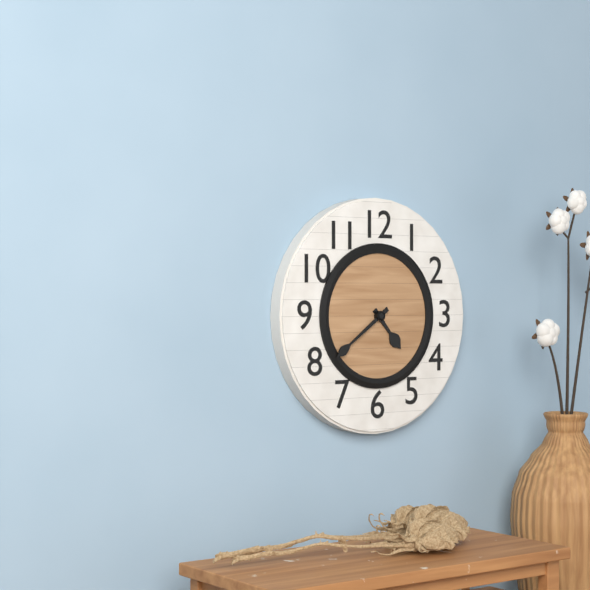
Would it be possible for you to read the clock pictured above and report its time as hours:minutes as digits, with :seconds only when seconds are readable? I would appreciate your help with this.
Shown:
4:39
